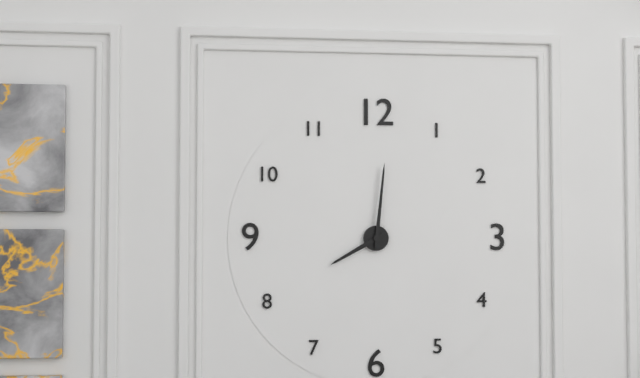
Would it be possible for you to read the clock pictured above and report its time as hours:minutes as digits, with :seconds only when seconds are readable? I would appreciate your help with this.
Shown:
8:01
